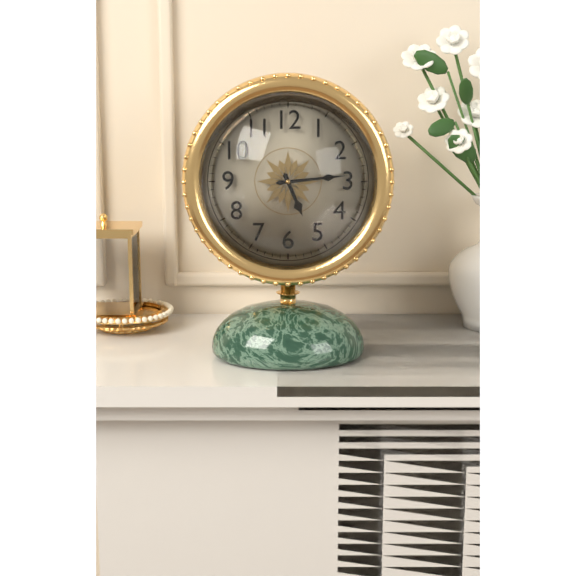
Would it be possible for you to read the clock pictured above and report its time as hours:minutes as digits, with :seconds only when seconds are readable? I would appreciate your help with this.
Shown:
5:14
